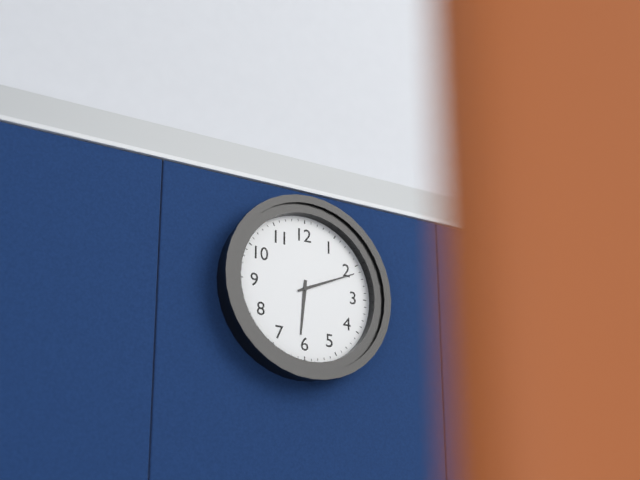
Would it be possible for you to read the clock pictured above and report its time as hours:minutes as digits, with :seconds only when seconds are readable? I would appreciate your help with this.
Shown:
6:11
